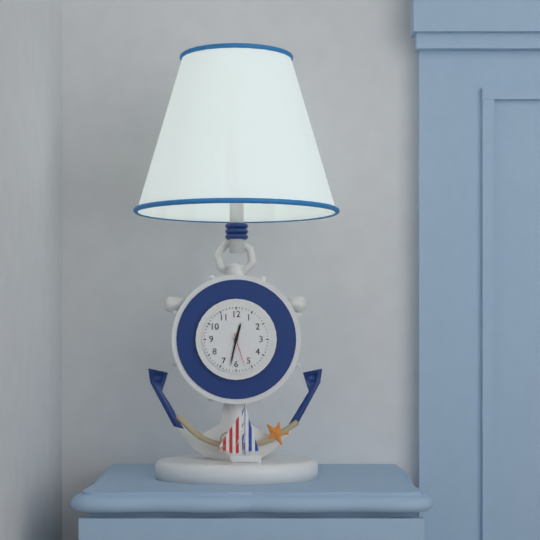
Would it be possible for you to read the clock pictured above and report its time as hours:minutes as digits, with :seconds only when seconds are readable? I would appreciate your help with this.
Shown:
12:32
